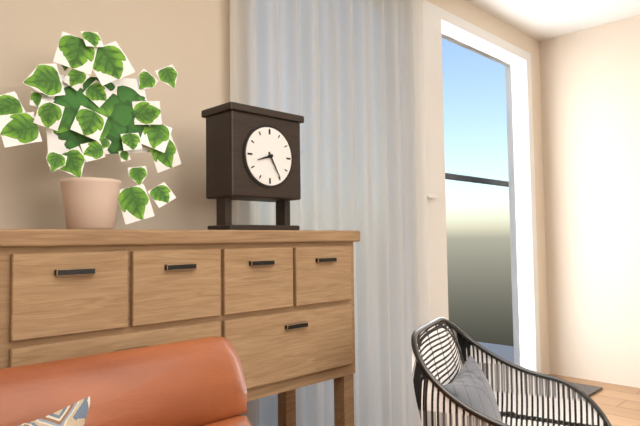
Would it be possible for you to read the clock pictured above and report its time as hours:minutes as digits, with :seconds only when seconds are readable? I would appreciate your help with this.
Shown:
8:25
